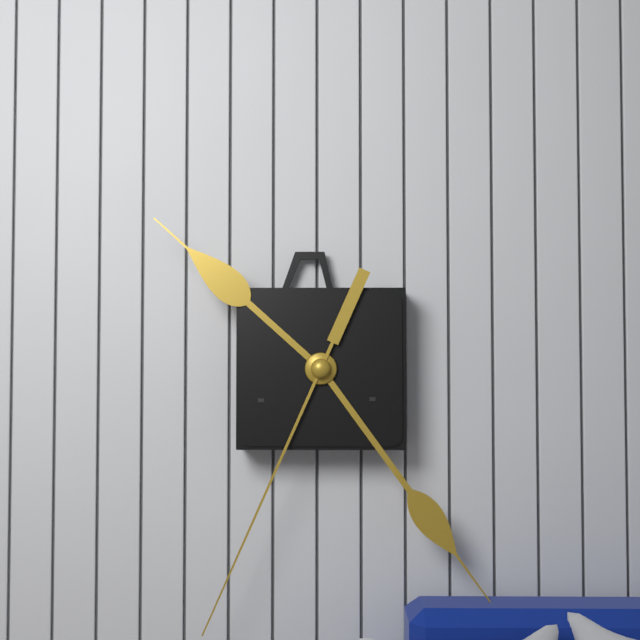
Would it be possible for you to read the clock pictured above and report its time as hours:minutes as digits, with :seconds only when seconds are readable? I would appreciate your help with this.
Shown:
10:24:34
